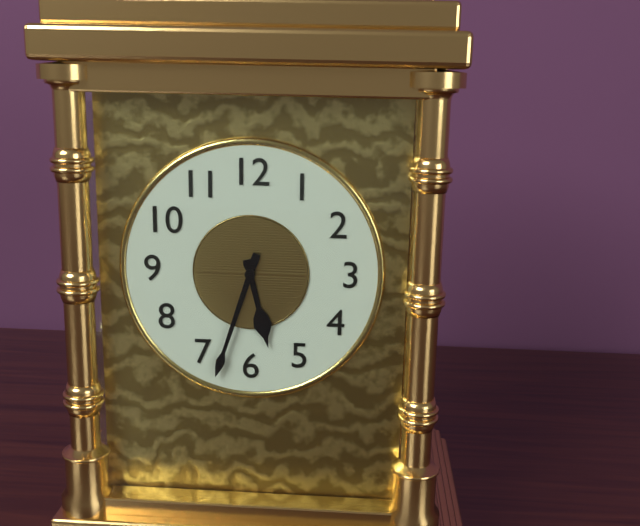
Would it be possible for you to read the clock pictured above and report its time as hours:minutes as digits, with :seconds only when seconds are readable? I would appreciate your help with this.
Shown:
5:33
